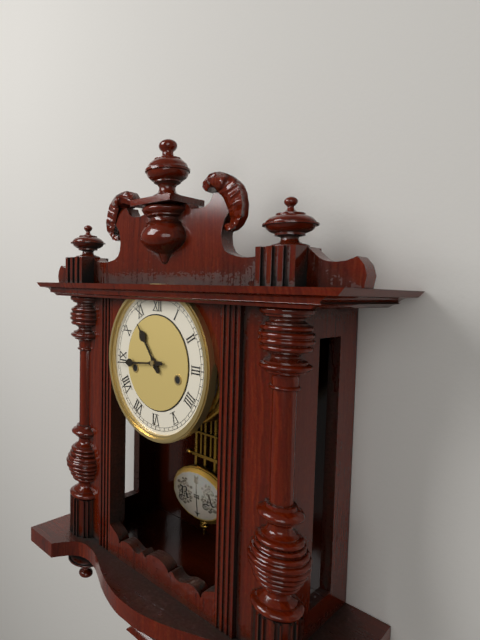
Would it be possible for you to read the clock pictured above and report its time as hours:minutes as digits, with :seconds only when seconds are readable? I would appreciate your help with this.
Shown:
10:44
